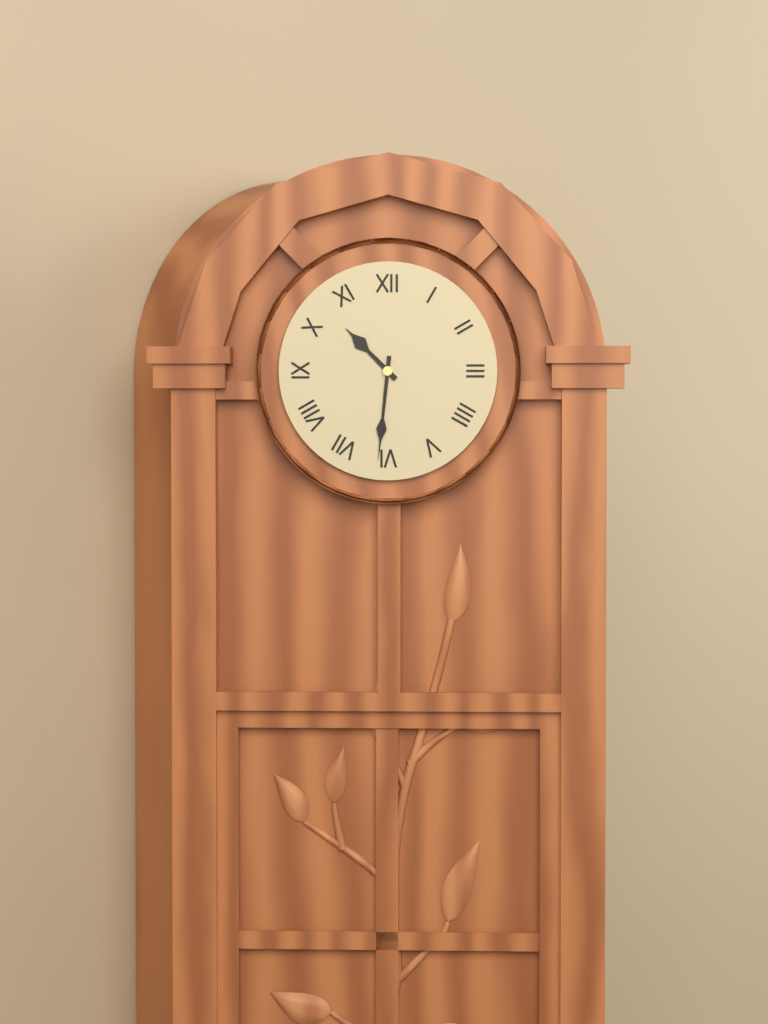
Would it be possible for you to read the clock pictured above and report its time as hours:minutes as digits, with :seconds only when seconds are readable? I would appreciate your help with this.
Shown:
10:31
